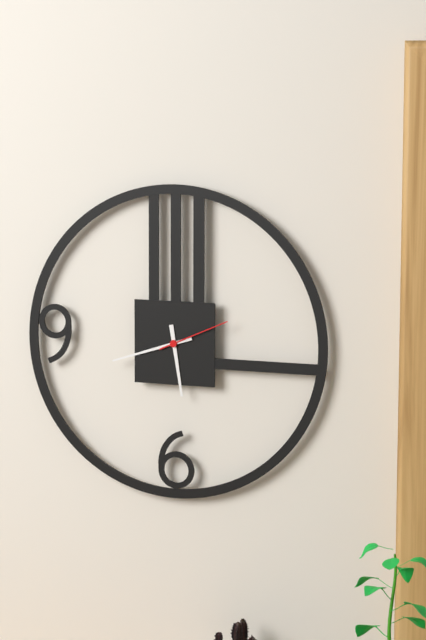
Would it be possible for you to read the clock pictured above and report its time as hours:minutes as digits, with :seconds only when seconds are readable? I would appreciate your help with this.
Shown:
5:42:11
